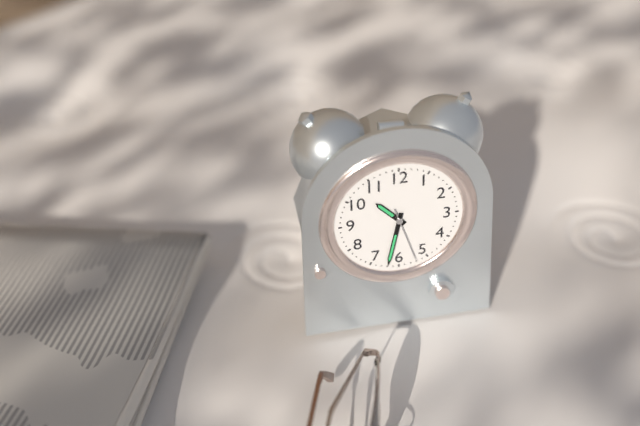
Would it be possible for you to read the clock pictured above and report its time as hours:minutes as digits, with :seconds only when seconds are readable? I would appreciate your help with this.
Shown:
10:32:27
